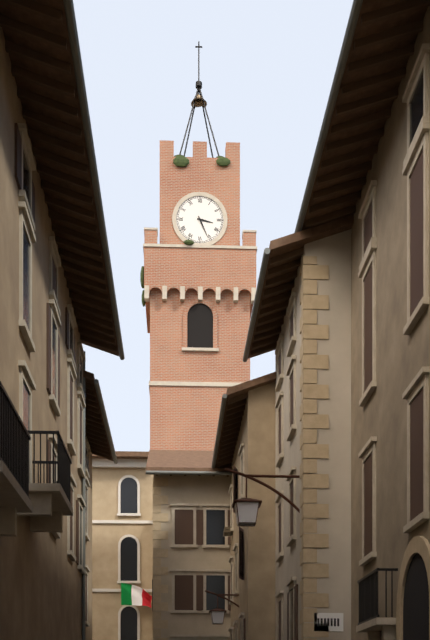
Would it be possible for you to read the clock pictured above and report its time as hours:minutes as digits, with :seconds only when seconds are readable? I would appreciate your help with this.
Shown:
3:26
